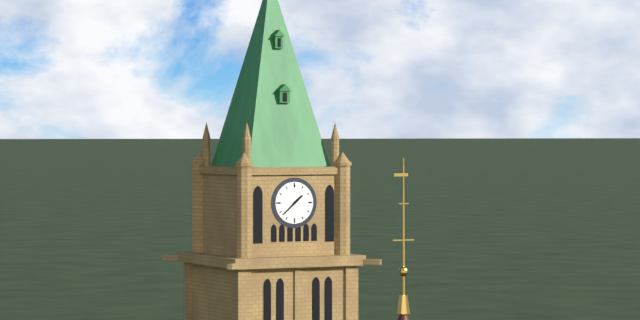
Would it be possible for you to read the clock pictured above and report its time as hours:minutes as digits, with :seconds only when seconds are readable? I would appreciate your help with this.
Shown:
1:38
